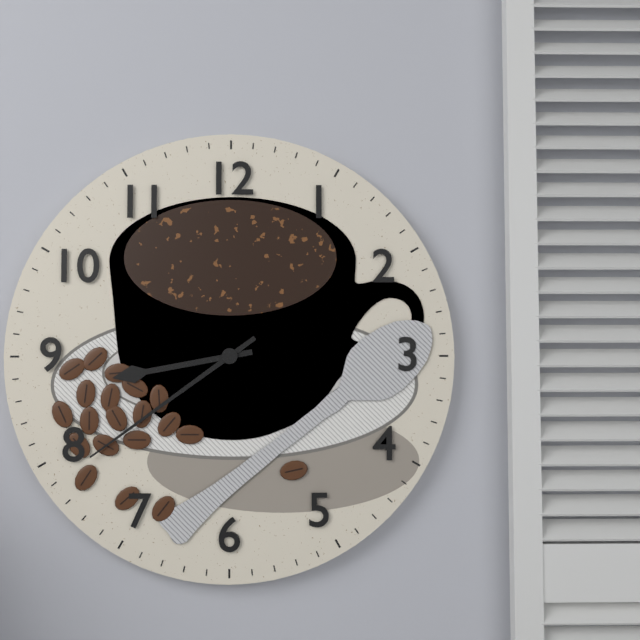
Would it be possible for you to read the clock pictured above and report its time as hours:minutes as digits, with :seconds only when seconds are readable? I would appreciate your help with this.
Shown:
8:39
